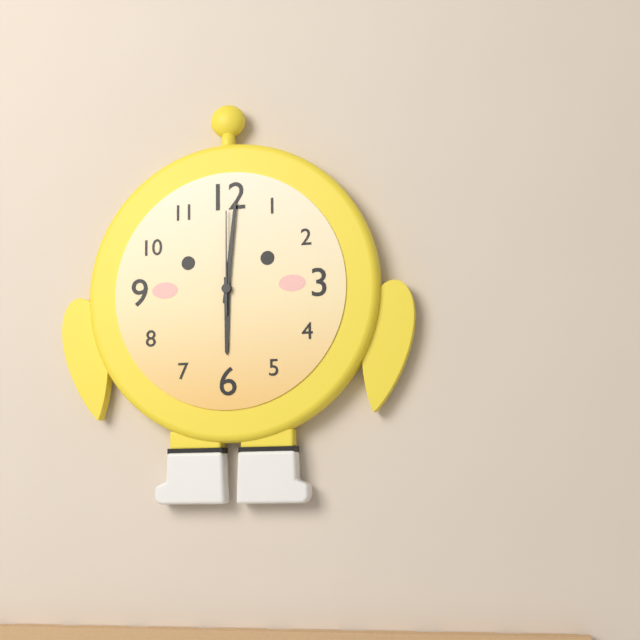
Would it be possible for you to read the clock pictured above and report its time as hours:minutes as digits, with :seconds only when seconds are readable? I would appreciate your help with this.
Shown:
6:01:00
